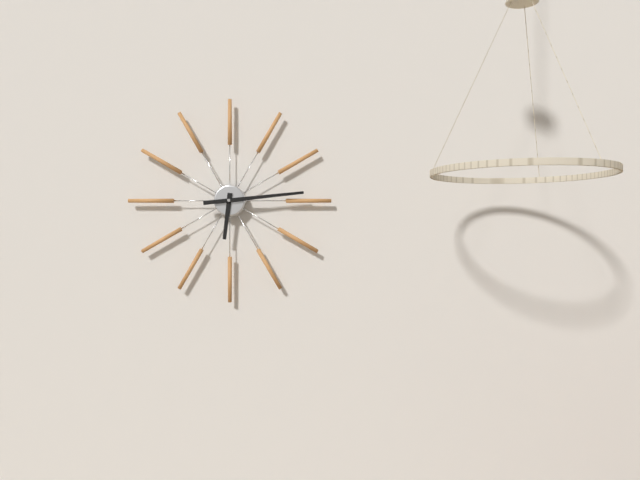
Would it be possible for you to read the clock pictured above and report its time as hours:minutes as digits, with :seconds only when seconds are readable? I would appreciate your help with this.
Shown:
6:14
